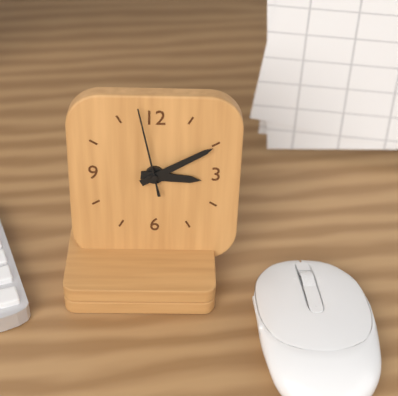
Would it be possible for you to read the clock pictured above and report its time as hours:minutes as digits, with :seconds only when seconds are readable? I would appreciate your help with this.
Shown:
3:10:58
